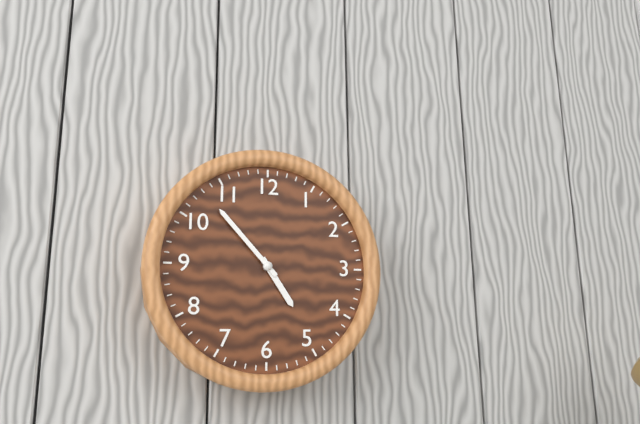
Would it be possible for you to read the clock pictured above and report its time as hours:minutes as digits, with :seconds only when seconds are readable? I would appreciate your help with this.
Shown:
4:53
